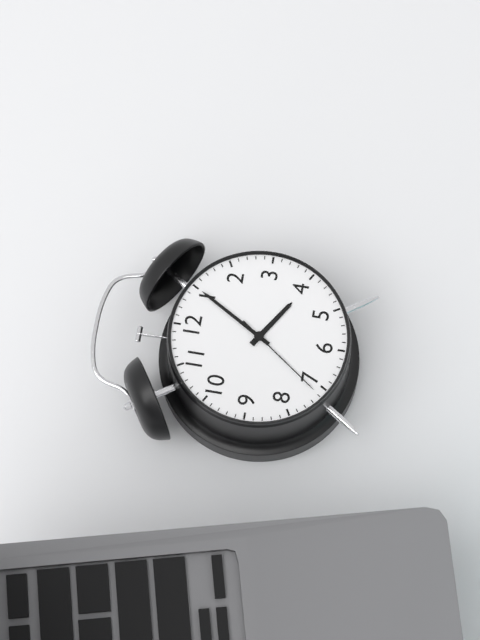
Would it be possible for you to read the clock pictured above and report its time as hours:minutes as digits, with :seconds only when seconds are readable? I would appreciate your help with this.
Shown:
4:05:36
